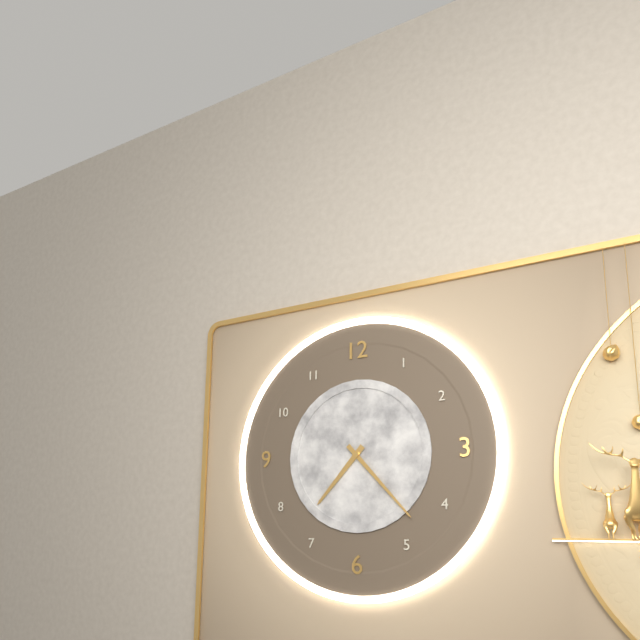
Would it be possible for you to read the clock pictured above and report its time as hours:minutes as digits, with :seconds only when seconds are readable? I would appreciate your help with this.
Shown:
7:23
